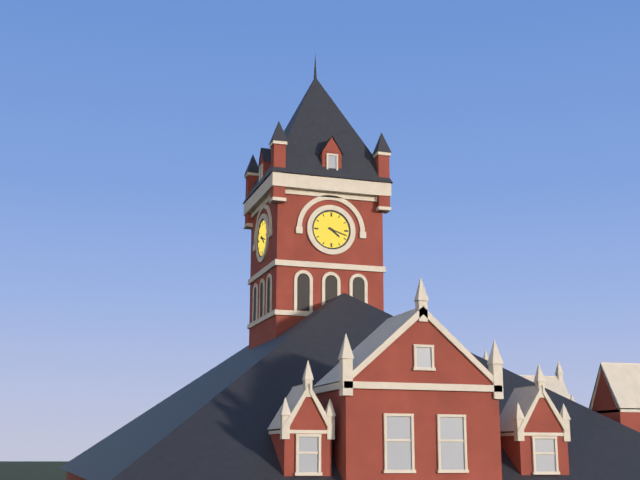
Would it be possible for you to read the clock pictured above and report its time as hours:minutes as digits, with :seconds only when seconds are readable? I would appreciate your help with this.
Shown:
4:18
